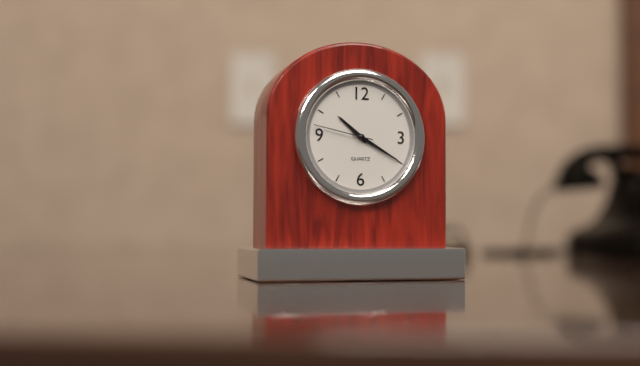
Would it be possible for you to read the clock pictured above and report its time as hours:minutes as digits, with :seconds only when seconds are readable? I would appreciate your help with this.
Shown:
10:20:47
